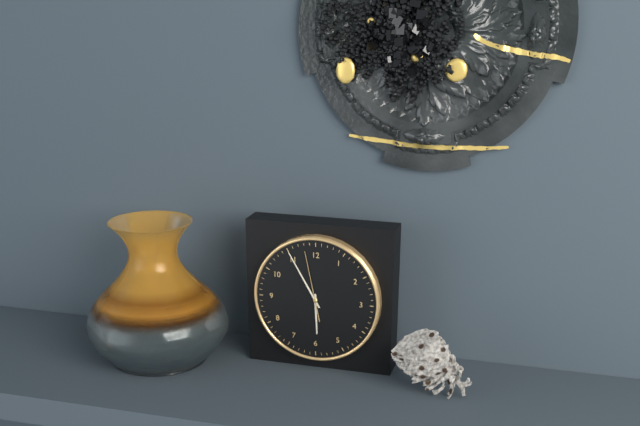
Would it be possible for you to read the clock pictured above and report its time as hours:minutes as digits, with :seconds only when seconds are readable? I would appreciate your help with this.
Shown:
5:55:58
